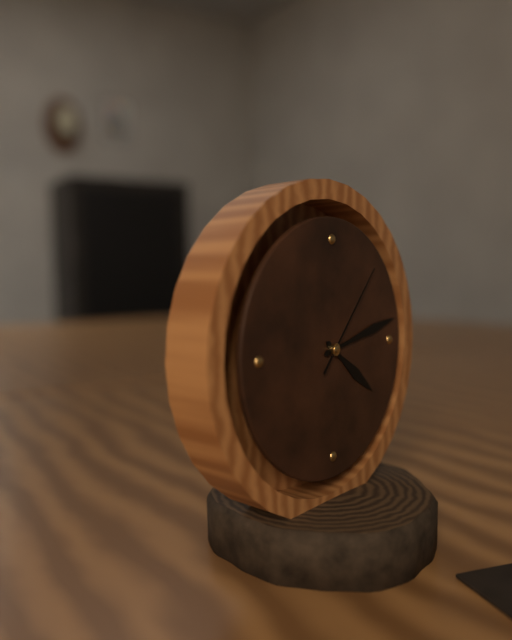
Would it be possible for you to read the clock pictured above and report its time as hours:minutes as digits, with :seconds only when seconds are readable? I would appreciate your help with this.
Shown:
4:13:07
